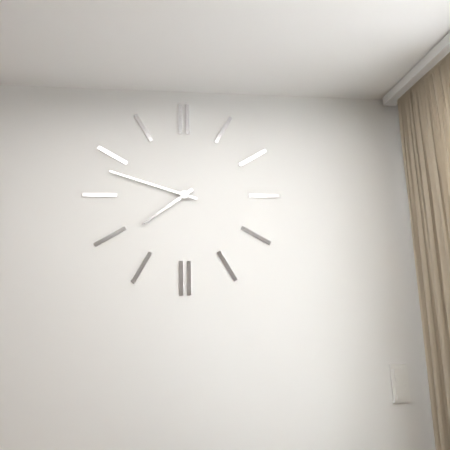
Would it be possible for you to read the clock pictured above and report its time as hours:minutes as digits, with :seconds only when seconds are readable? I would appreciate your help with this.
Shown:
7:48
